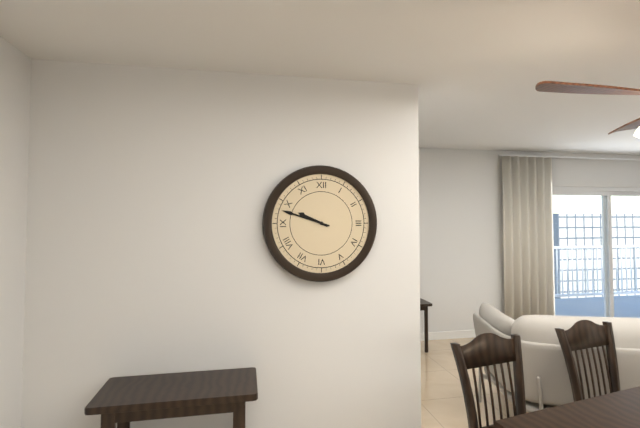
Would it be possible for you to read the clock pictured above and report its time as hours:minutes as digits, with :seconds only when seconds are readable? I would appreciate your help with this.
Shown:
9:48
